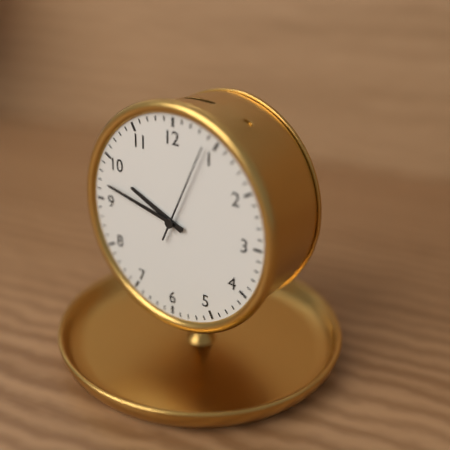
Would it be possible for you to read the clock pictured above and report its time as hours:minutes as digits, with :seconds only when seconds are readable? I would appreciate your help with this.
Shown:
9:47:04
